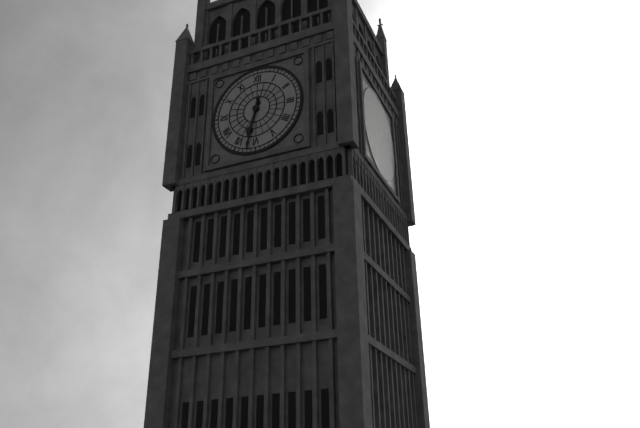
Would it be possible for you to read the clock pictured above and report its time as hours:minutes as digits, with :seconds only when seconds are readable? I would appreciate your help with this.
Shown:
6:32
